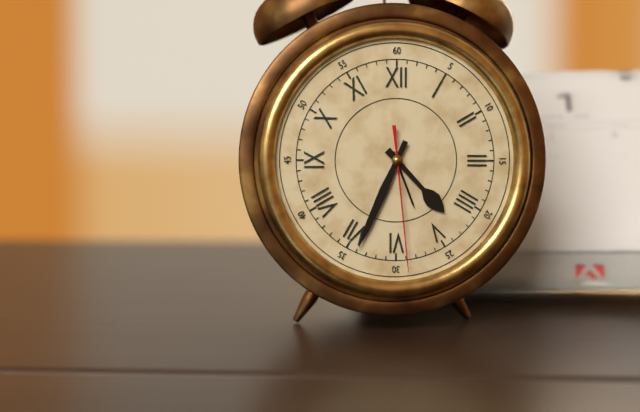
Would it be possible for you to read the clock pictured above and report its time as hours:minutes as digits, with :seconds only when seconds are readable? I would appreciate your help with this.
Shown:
4:34:29
